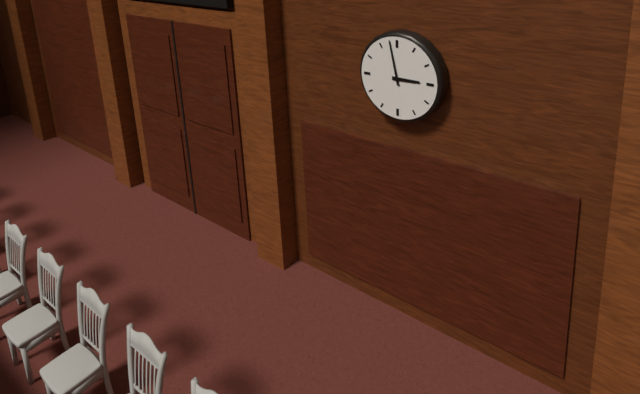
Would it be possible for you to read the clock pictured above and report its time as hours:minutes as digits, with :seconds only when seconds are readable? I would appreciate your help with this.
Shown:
2:58
